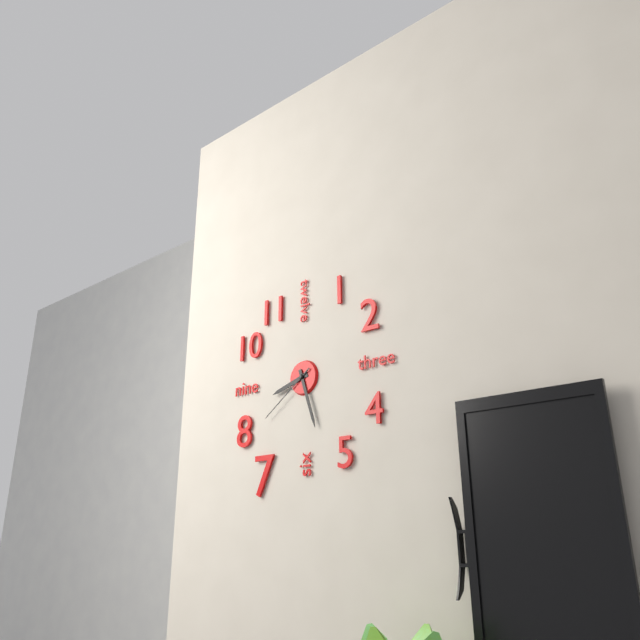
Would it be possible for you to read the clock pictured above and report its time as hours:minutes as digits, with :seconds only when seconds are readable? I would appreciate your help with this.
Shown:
8:27:39
